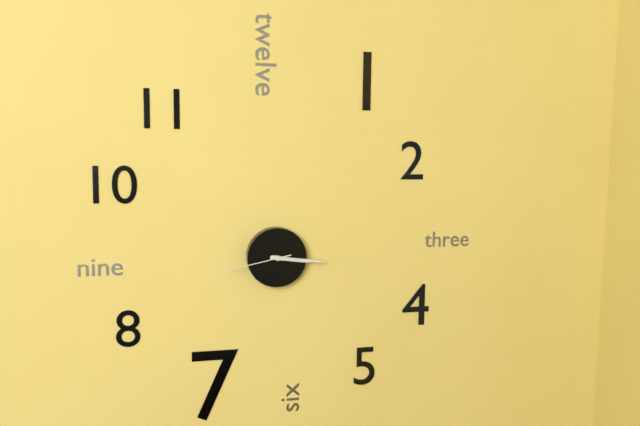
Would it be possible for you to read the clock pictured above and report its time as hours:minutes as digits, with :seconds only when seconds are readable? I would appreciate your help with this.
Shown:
3:16:43
